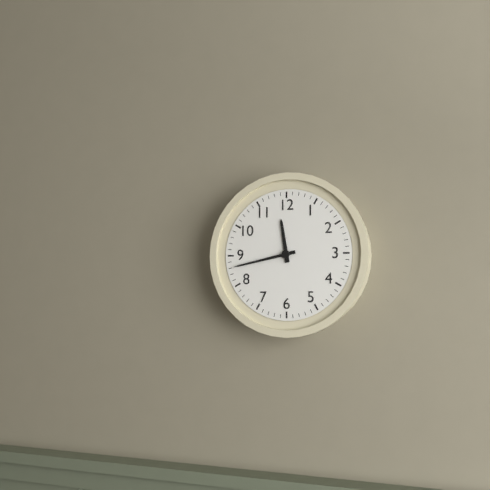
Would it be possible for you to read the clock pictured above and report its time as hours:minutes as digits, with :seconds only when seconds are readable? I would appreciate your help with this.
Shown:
11:43
